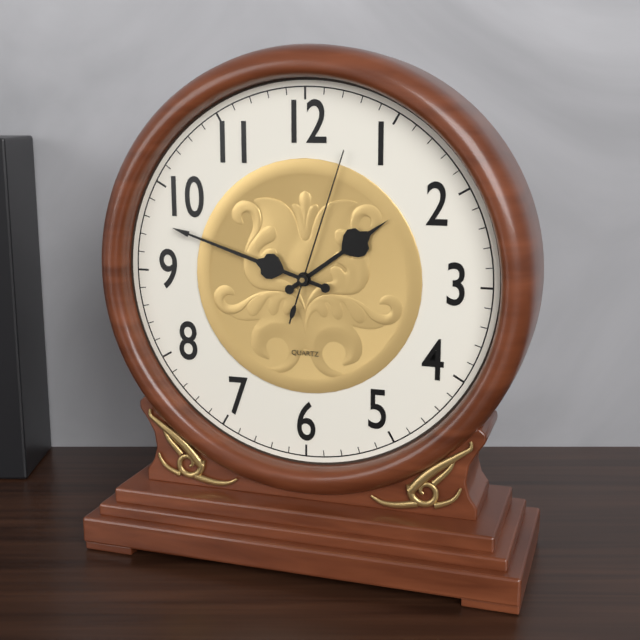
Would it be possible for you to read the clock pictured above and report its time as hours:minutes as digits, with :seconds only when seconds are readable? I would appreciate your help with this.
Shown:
1:48:03
